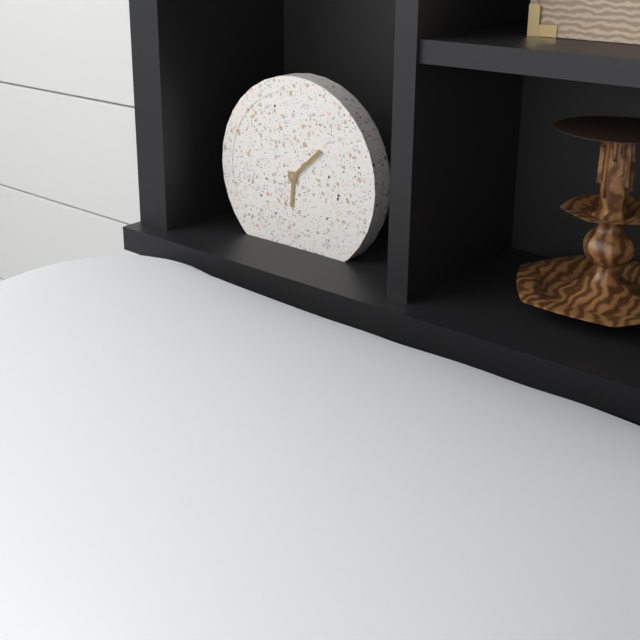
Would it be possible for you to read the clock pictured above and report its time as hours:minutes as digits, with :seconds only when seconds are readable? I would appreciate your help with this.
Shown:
6:08
